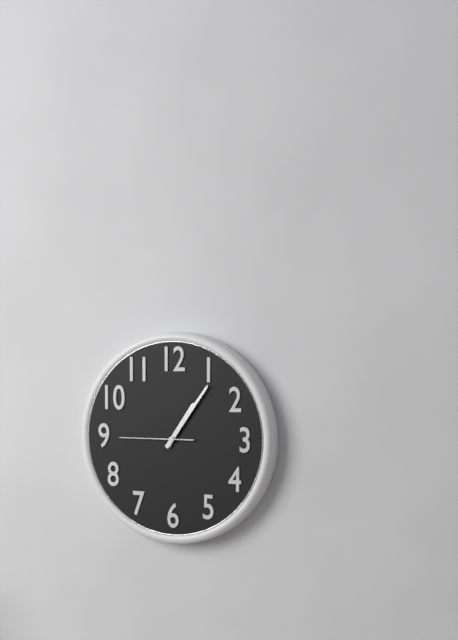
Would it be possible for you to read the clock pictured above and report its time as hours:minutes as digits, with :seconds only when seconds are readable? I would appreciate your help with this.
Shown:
1:06:45
